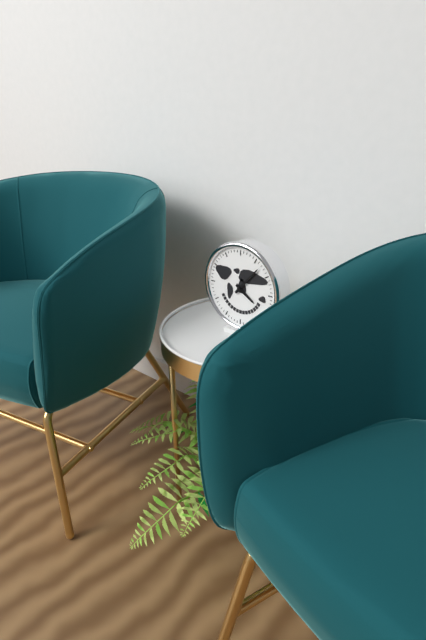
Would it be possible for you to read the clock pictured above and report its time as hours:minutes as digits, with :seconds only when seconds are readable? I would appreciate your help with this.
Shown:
4:07
